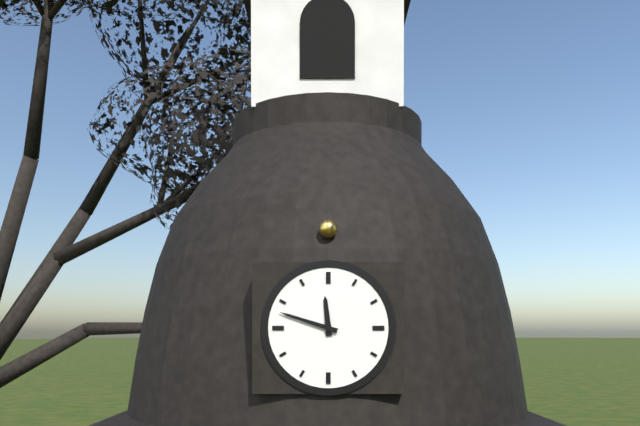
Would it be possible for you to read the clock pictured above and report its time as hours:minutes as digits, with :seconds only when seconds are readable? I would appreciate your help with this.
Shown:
11:48
